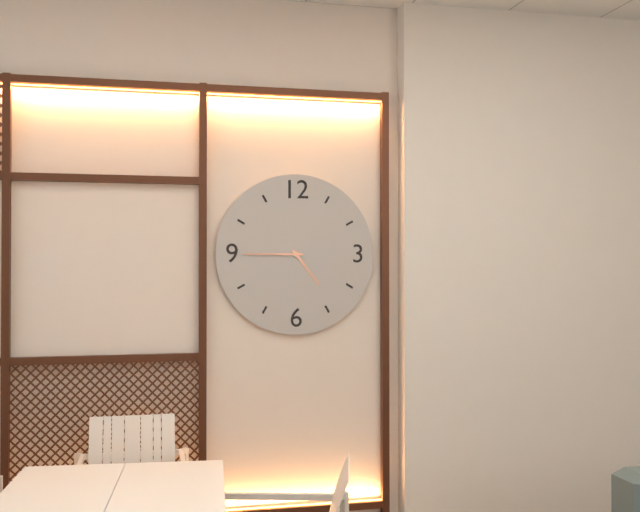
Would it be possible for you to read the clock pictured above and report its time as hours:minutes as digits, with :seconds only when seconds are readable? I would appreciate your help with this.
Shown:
4:45
